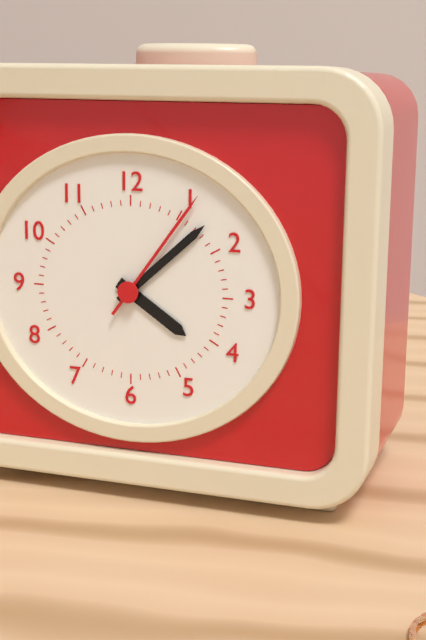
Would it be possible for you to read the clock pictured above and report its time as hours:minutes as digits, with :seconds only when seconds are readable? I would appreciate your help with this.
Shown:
4:08:06
